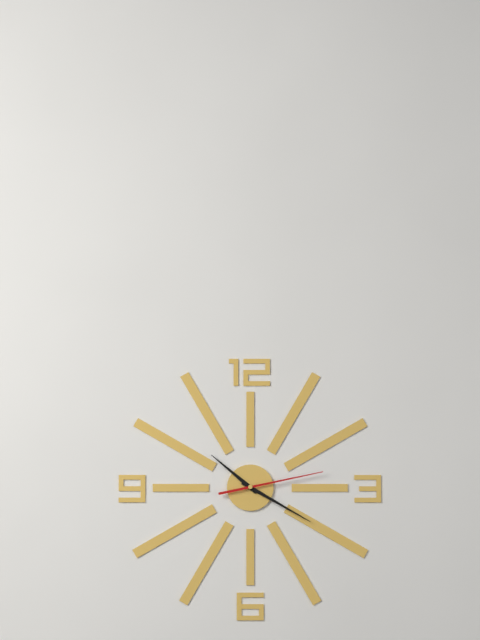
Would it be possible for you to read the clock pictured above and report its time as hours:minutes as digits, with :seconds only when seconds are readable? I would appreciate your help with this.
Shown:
10:20:13
